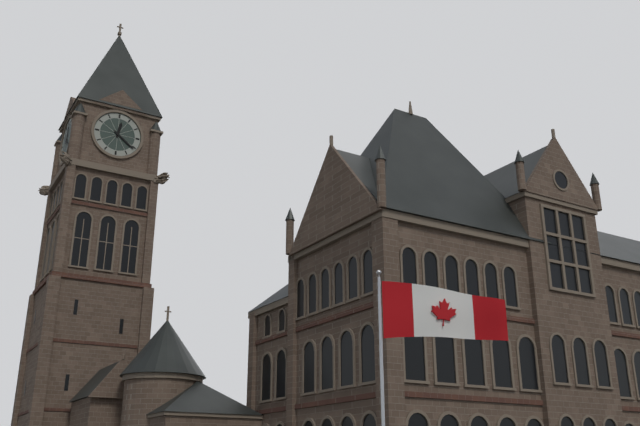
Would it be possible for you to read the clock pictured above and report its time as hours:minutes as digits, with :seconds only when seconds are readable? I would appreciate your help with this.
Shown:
12:21
